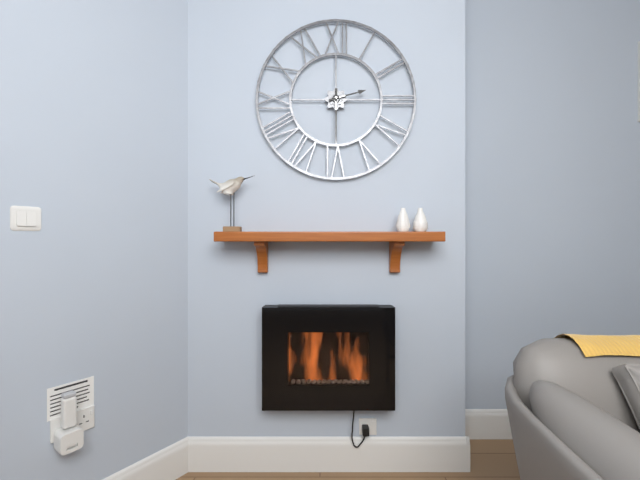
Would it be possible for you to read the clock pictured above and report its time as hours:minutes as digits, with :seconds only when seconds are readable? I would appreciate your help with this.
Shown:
2:30
